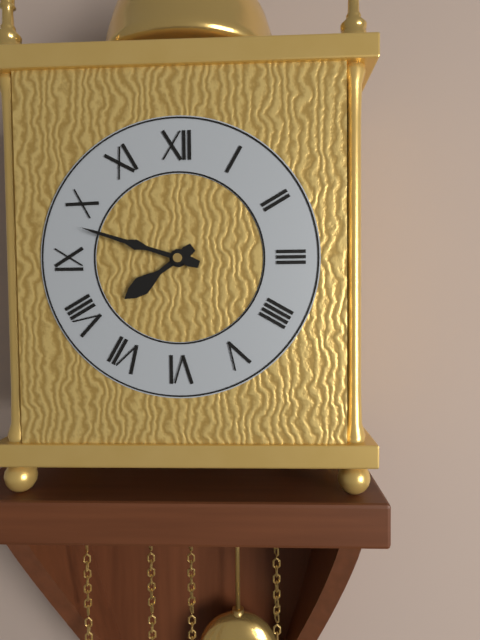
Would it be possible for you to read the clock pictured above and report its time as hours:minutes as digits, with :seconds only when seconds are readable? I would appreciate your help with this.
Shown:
7:48
